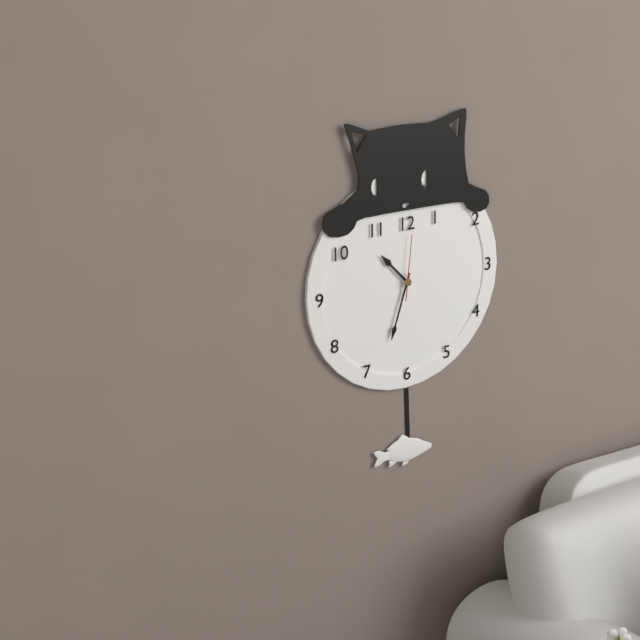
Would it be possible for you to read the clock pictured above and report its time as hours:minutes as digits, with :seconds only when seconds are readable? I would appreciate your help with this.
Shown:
10:33:01
